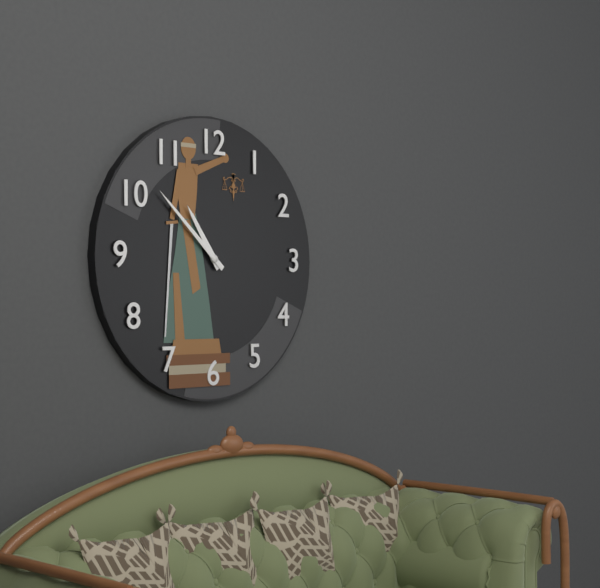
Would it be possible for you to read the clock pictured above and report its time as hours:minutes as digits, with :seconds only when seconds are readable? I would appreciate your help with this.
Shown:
10:52
